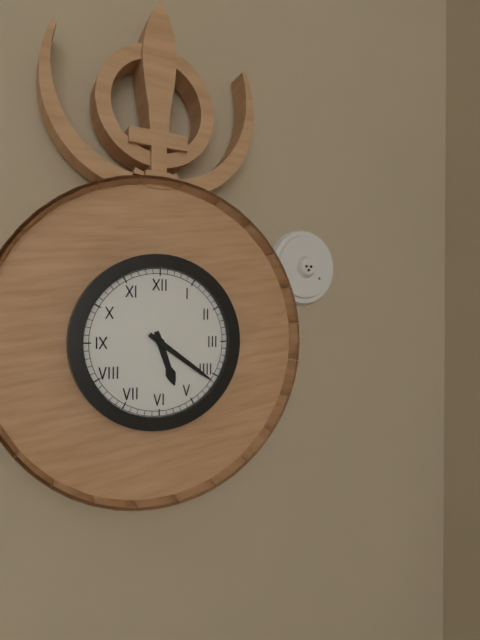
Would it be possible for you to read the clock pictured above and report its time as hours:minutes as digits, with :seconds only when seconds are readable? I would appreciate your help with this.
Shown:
5:21
